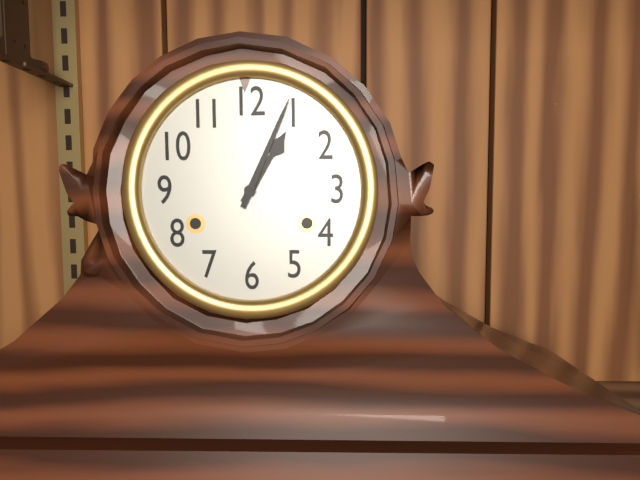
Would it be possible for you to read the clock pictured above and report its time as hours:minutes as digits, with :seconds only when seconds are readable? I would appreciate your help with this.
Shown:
1:04
